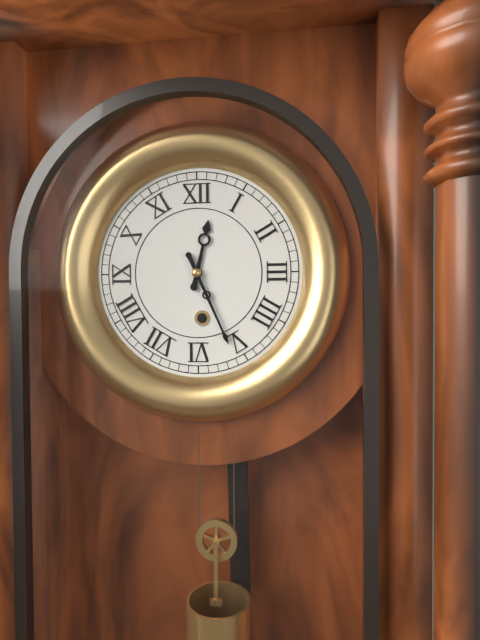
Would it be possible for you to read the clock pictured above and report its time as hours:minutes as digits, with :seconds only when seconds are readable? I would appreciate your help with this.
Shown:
12:26
